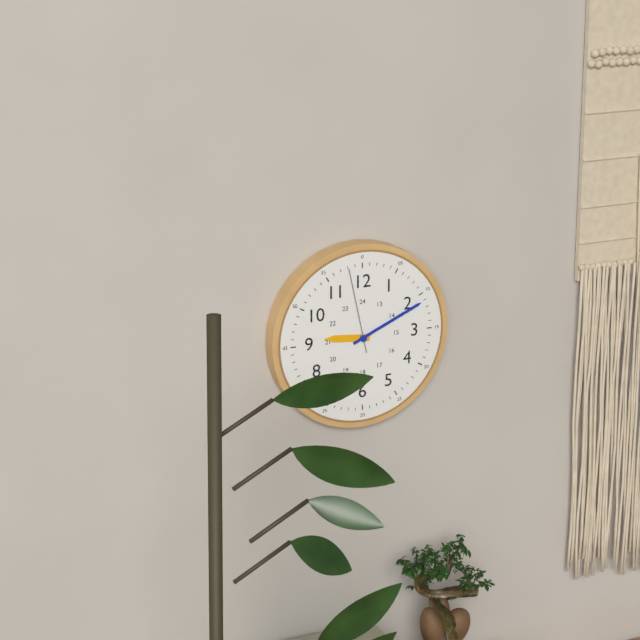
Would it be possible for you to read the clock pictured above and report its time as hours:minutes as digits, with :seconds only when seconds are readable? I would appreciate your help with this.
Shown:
9:11:58
